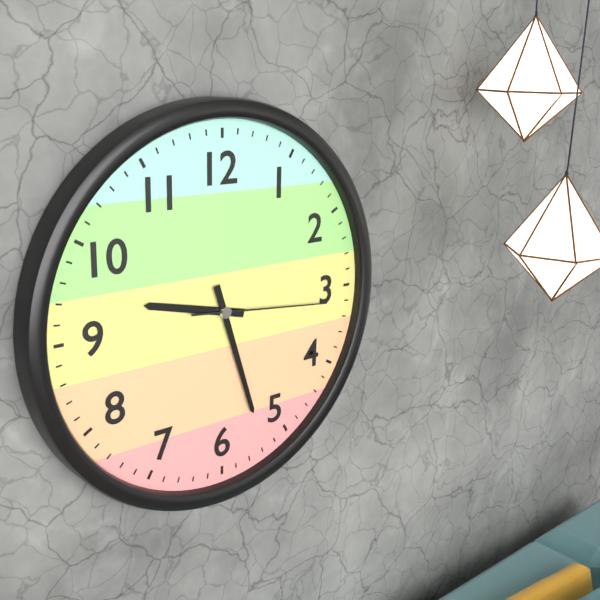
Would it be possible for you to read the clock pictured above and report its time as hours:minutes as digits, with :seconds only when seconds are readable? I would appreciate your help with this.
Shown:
9:27:16
